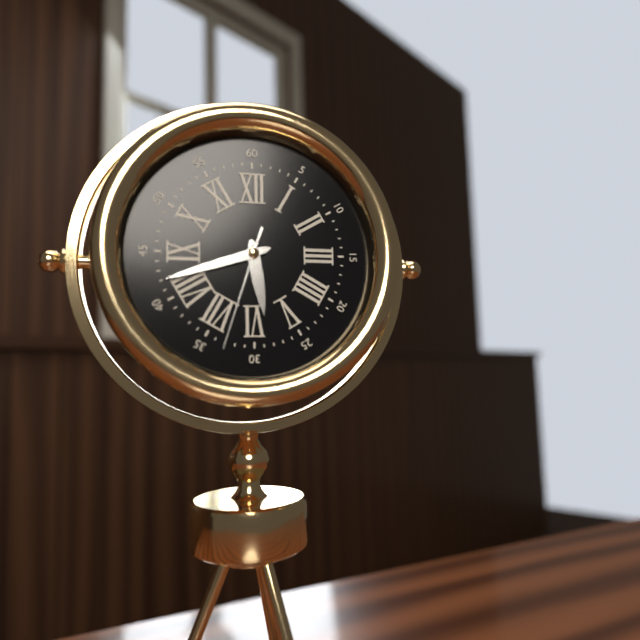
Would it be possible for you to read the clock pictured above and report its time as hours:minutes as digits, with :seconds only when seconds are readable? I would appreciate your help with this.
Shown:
5:42:33
